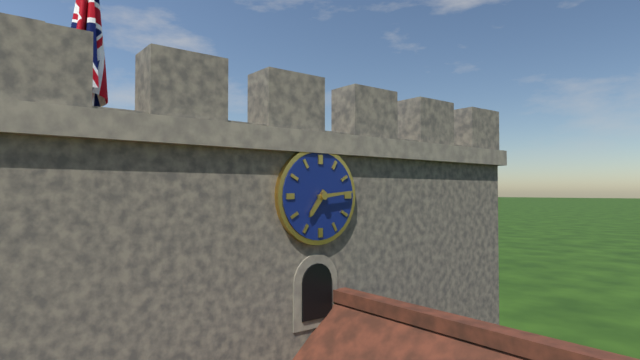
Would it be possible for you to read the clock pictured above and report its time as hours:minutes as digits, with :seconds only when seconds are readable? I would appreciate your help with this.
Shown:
7:14
